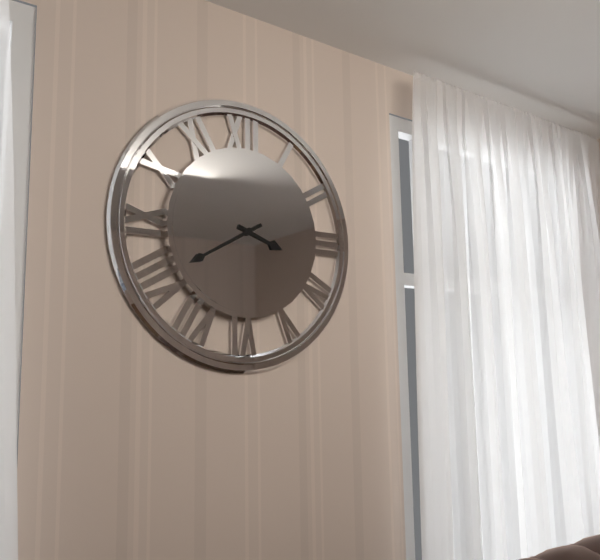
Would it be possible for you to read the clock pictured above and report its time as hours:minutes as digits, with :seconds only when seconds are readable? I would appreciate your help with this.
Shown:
3:40
